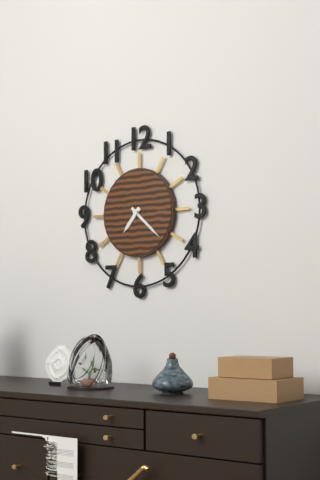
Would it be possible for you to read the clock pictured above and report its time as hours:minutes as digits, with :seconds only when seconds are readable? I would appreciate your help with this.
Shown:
7:22
